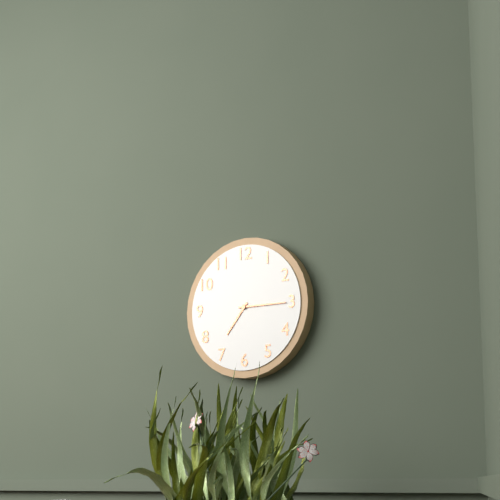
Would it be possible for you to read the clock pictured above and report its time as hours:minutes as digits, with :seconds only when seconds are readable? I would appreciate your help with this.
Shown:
7:15
